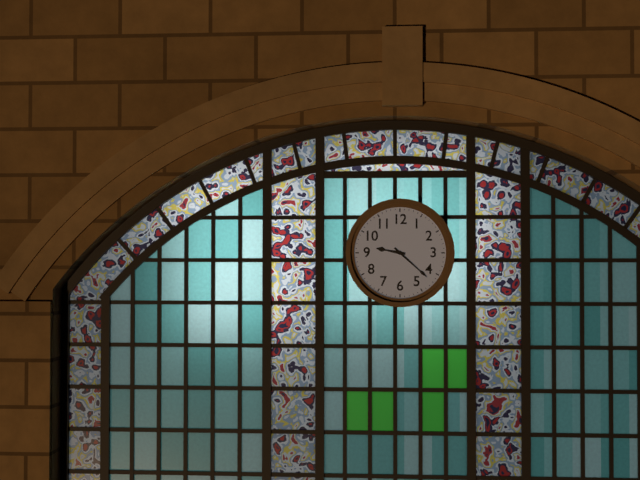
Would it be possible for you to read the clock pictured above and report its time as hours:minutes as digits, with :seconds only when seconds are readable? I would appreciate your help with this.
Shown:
9:22
